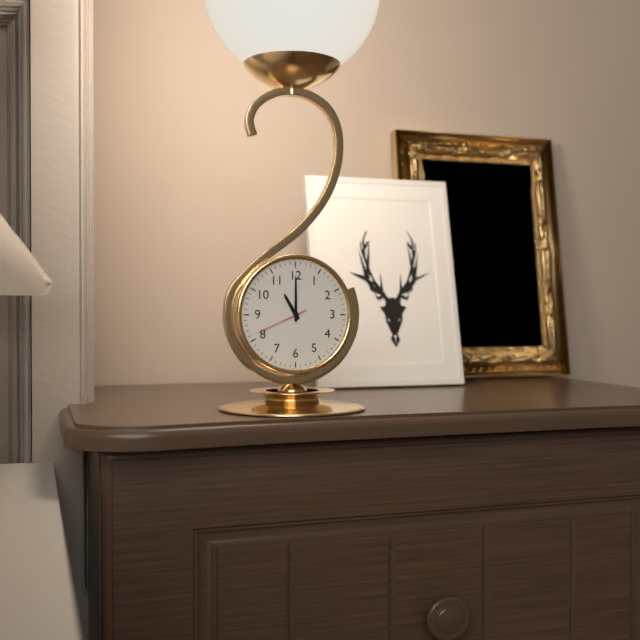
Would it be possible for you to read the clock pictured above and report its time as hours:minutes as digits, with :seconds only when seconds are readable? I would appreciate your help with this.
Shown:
11:00:41
